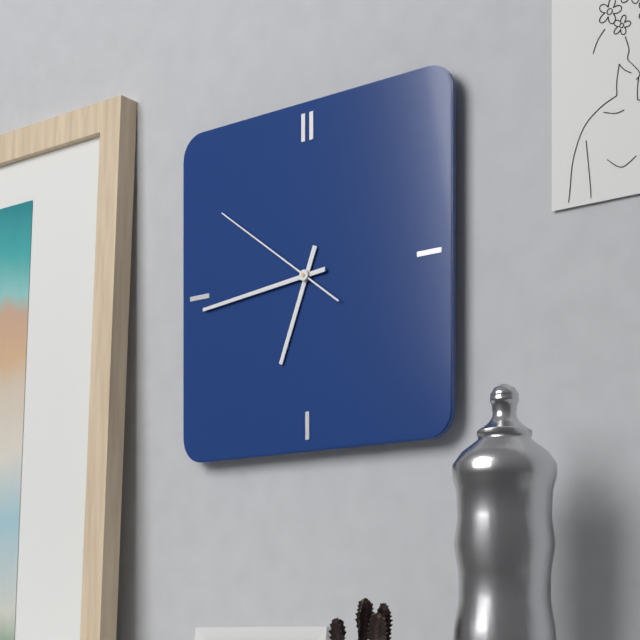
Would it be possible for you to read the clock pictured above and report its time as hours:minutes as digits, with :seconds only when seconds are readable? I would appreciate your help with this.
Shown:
6:44:51
